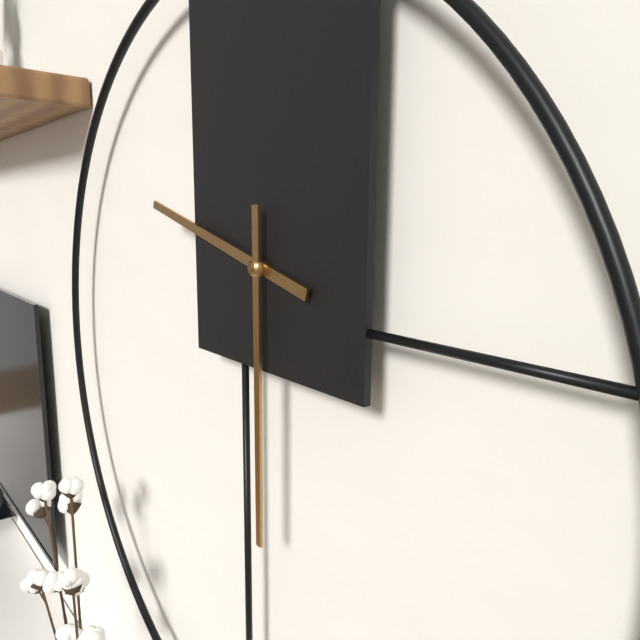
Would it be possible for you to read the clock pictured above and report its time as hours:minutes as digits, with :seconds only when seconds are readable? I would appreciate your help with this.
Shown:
9:30
